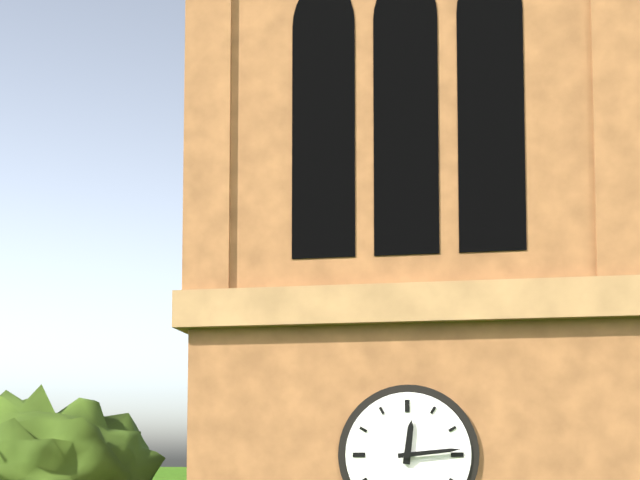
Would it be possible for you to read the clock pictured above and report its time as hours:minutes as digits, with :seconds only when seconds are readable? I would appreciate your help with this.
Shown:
12:14
